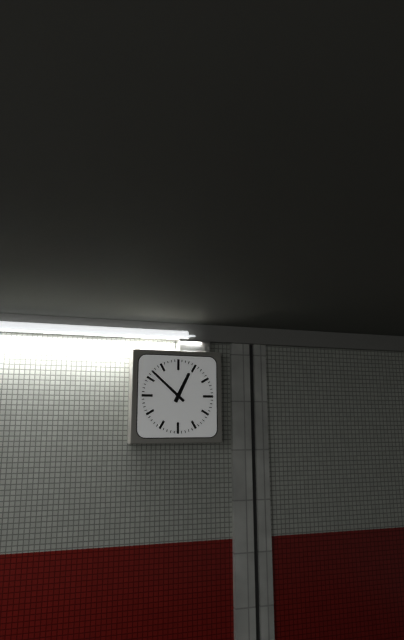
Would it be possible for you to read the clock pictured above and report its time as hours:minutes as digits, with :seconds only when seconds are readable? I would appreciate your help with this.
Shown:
12:52
